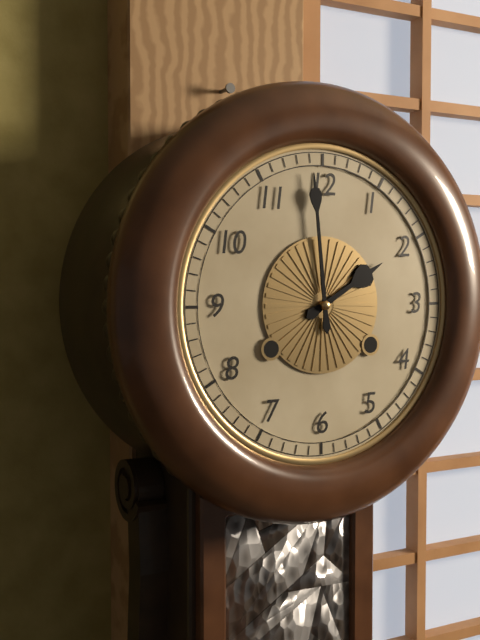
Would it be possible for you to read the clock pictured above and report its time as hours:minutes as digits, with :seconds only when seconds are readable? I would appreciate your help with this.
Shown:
1:59
